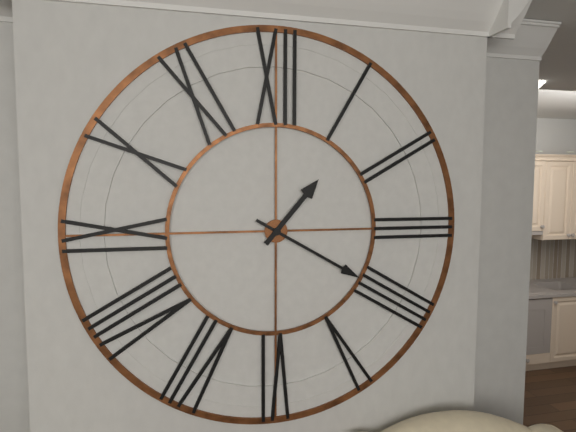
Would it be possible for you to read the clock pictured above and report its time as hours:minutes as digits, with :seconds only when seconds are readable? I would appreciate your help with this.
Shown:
1:20
